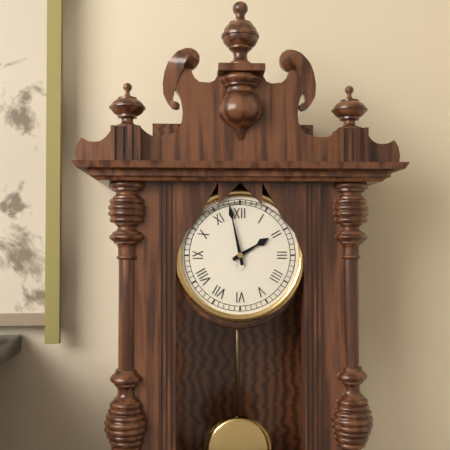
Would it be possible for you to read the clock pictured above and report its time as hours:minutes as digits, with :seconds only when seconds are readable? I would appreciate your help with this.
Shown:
1:58
